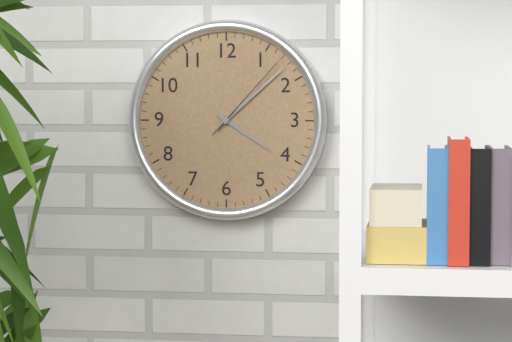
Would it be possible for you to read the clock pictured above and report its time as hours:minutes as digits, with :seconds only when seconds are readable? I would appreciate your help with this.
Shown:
4:08:07
